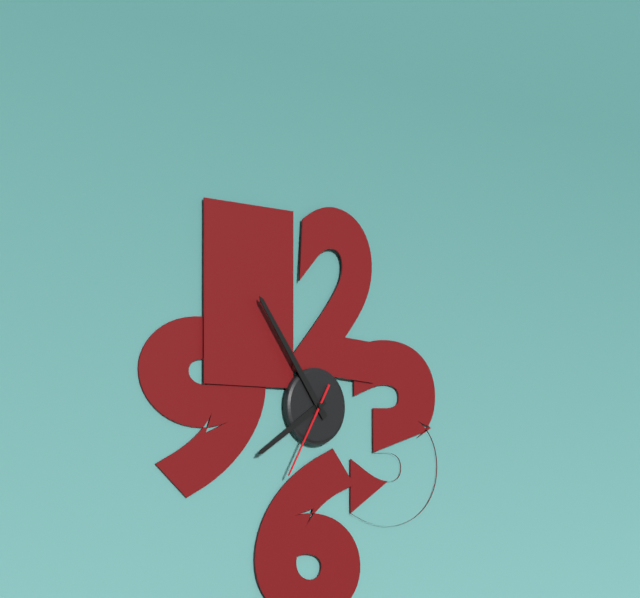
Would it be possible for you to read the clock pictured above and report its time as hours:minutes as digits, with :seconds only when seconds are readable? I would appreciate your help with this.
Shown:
7:54:35
